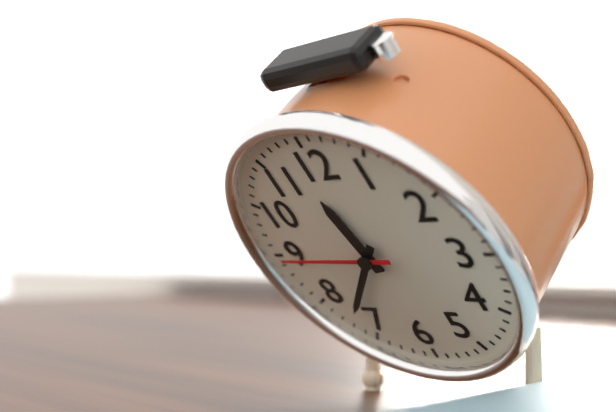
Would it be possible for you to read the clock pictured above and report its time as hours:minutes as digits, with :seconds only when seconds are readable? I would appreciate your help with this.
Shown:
11:37:45
